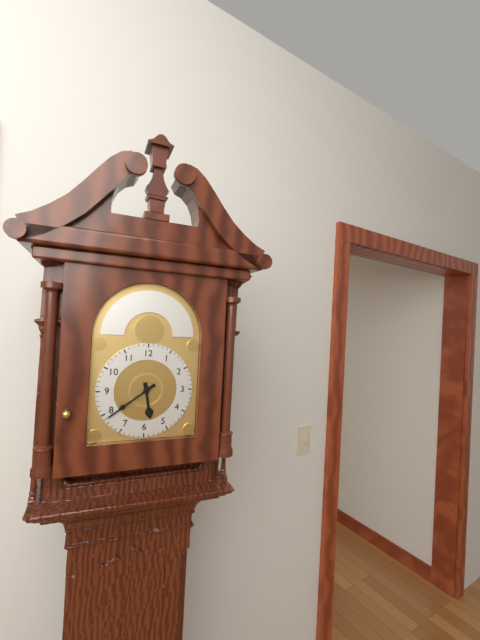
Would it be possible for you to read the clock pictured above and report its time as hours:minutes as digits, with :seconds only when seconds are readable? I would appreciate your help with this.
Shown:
5:39
